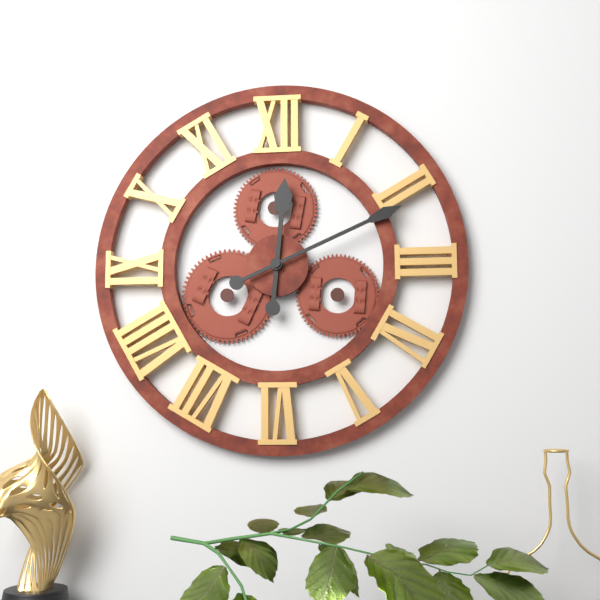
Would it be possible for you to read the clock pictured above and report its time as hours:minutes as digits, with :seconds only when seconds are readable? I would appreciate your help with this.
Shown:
12:11
